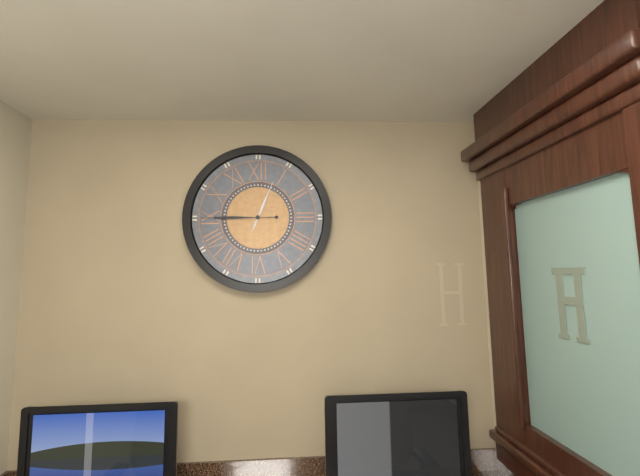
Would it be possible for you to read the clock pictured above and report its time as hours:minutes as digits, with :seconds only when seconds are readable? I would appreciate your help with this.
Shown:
12:45
